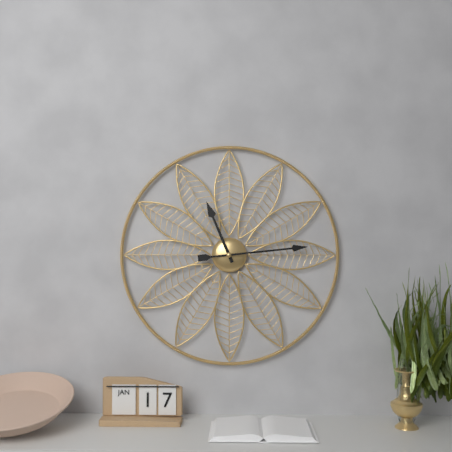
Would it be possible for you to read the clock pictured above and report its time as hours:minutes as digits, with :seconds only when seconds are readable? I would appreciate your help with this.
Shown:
11:14
